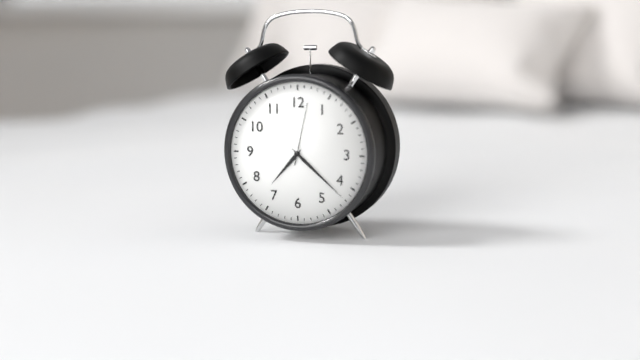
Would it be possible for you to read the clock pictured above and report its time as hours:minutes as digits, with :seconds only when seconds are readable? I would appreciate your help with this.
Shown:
7:22:02
